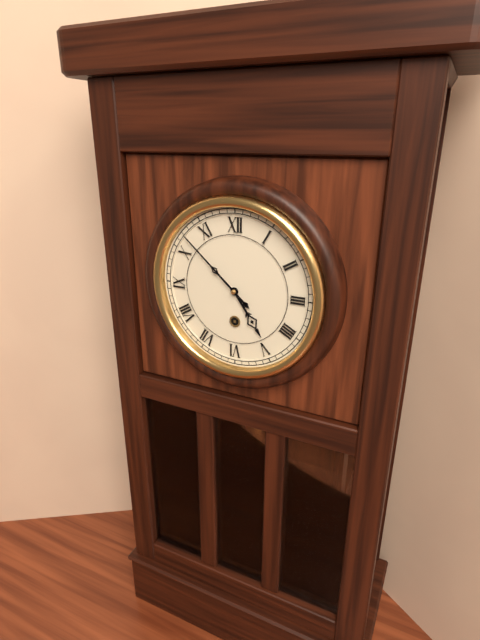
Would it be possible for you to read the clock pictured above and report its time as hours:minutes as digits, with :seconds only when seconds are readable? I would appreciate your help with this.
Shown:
4:52
